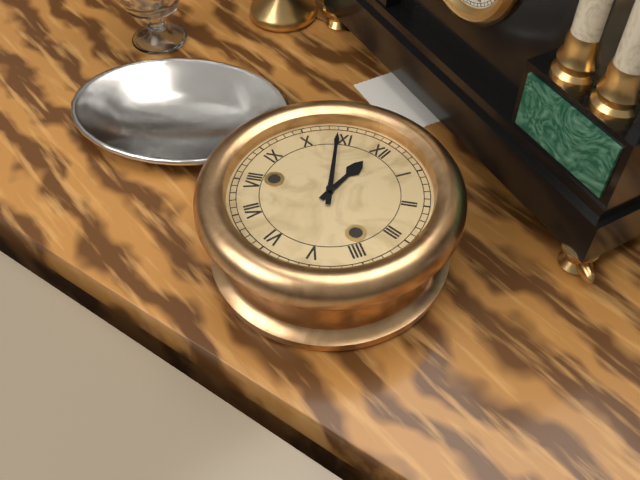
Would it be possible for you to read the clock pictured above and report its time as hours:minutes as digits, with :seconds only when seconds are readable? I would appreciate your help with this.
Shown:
11:54
